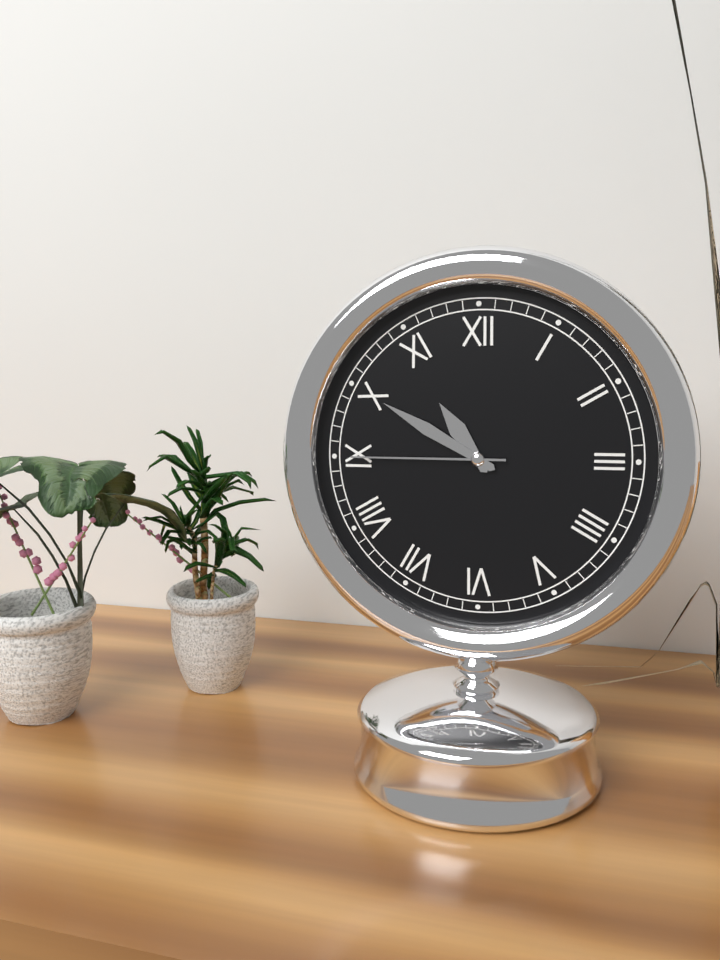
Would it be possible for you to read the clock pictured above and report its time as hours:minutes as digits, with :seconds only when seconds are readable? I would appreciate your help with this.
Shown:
10:50:45
